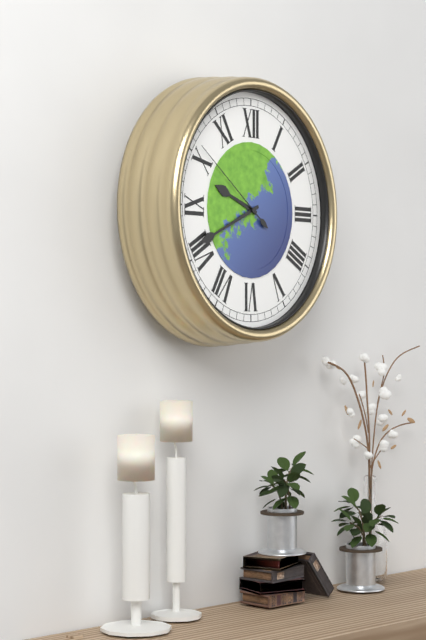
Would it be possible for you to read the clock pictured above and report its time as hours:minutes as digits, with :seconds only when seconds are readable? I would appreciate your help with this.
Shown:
9:41:51
